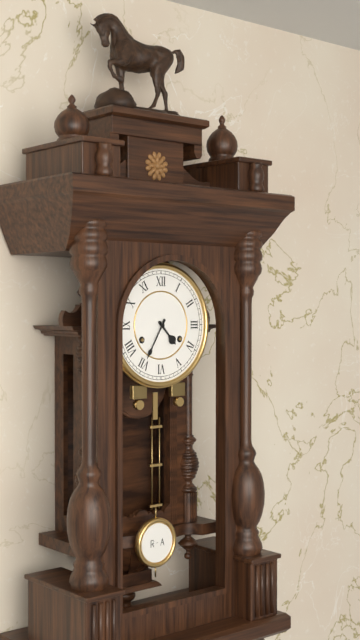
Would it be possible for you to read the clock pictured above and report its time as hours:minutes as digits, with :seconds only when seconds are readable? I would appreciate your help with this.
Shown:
4:35
